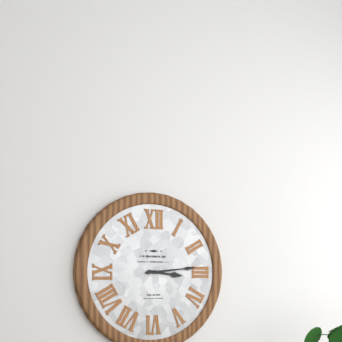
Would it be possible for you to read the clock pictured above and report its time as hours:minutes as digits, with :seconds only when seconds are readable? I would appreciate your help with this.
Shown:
3:14
